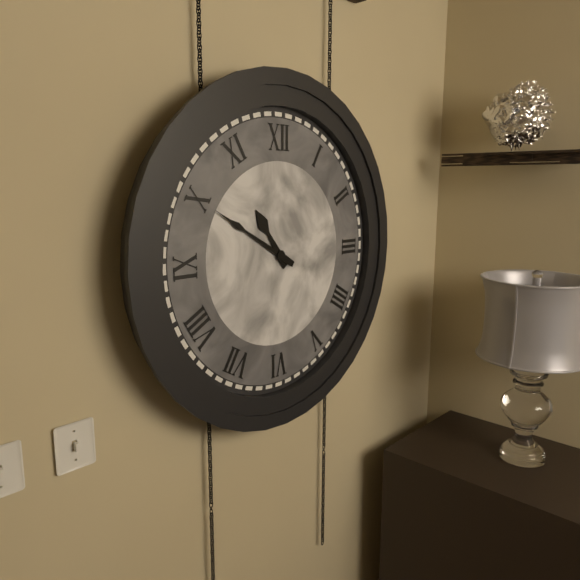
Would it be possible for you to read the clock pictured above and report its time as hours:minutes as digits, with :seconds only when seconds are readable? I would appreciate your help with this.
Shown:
10:50
